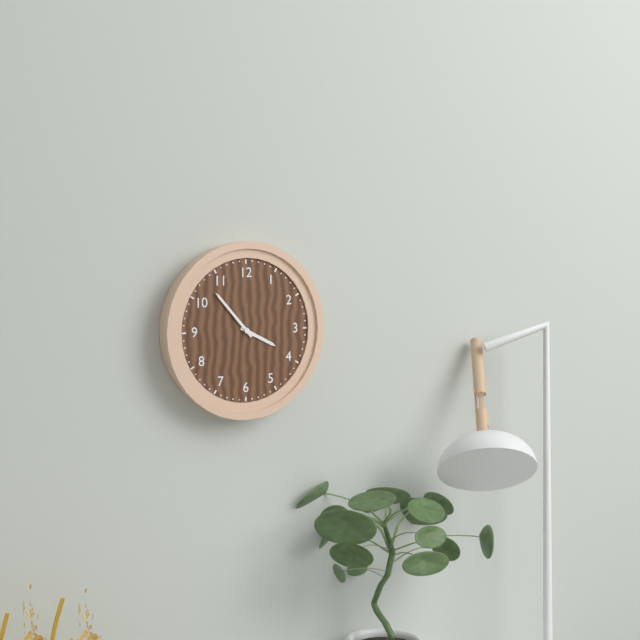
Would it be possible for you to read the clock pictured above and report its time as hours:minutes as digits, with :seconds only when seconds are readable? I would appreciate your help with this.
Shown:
3:53
